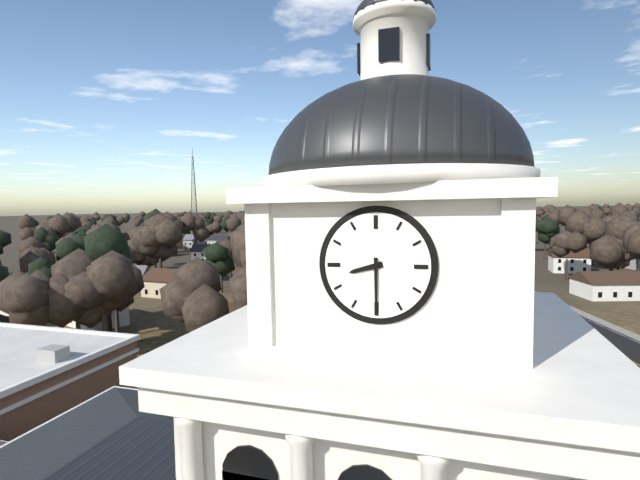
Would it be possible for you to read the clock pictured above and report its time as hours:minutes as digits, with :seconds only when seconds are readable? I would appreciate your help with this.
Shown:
8:30
